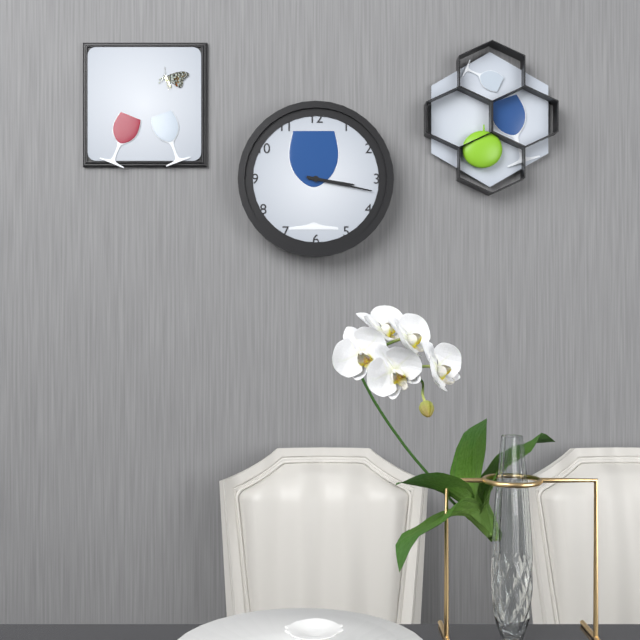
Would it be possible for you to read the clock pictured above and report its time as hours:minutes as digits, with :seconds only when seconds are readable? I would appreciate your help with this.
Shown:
3:17
